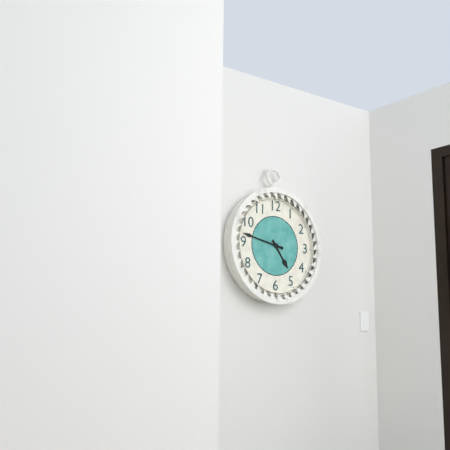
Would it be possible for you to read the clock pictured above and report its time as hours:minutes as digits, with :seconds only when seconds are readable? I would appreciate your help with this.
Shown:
4:47
